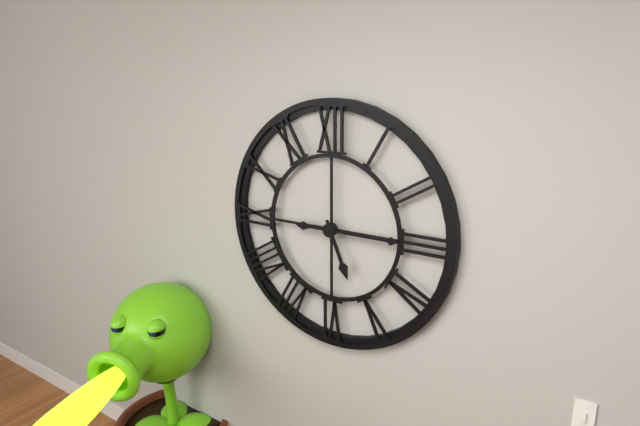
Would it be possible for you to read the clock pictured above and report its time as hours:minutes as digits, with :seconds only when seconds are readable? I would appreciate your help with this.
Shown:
5:15
